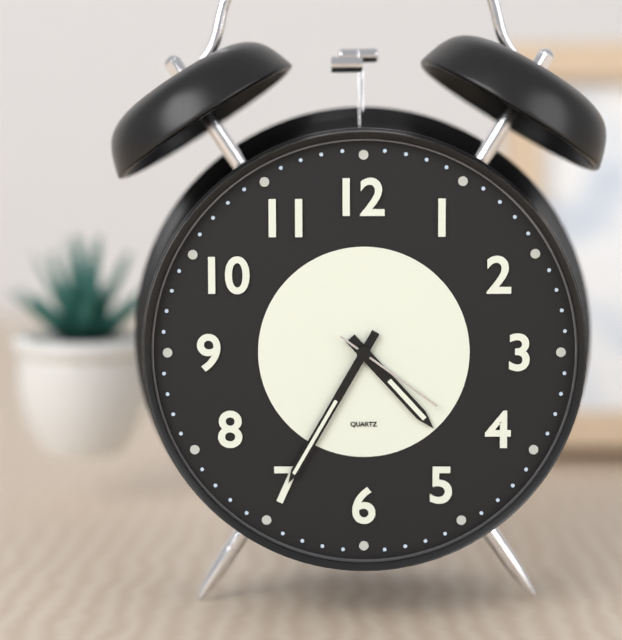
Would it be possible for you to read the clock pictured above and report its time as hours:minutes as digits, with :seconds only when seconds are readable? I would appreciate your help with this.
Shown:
4:35:21
